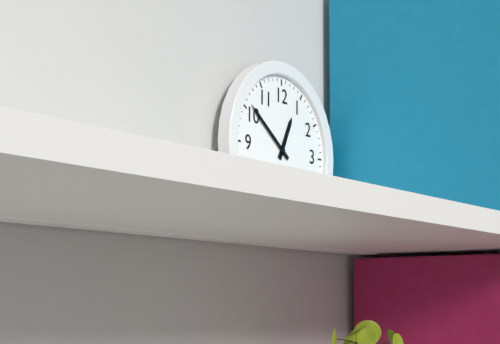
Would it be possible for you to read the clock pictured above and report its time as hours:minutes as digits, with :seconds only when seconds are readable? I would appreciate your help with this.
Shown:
12:51
